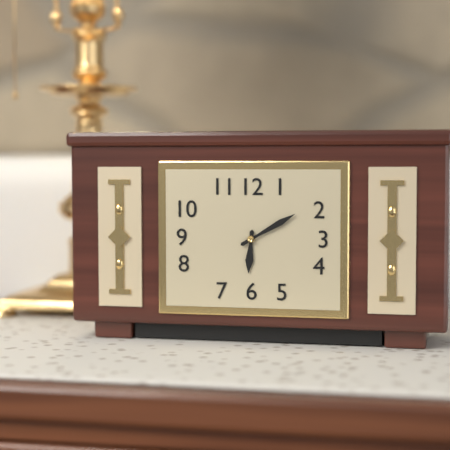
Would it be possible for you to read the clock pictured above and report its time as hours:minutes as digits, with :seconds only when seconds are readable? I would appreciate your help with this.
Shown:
6:10
